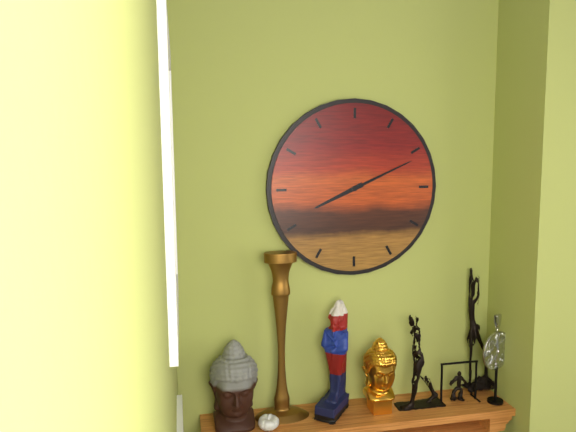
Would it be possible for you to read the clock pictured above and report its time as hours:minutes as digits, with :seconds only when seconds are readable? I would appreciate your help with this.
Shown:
8:11
